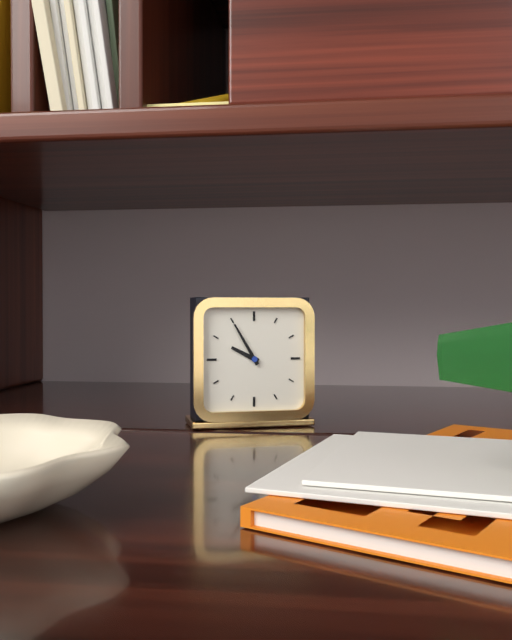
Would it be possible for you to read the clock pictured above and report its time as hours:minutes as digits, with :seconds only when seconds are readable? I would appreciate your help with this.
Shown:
9:55
